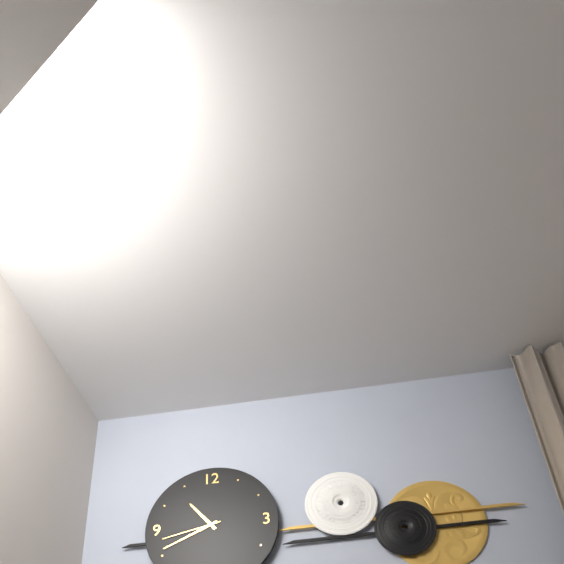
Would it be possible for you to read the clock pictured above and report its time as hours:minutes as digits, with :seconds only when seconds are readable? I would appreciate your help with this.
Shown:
10:41:43
